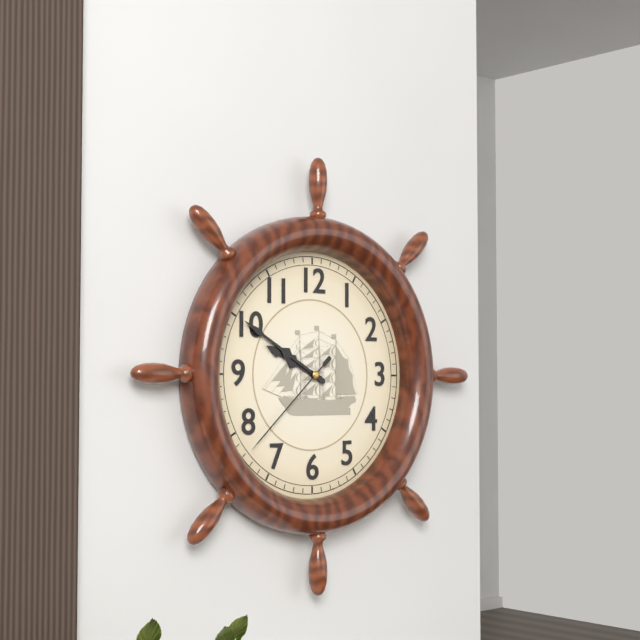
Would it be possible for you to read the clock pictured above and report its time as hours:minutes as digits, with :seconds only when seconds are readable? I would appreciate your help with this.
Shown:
9:50:38
